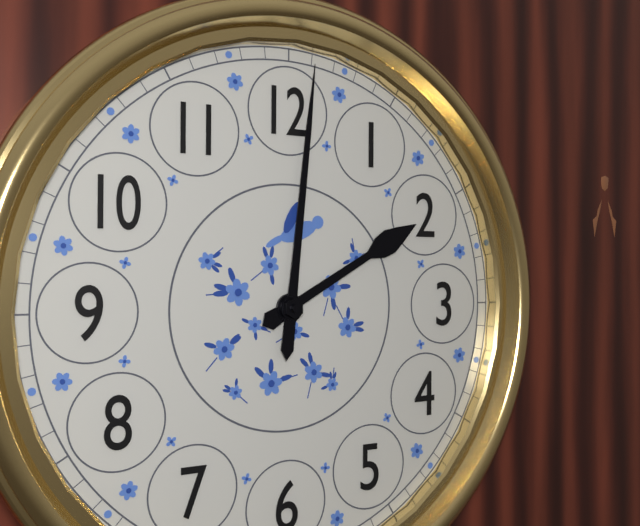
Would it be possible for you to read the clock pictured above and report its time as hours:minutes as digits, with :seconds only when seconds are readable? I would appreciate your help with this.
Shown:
2:01
